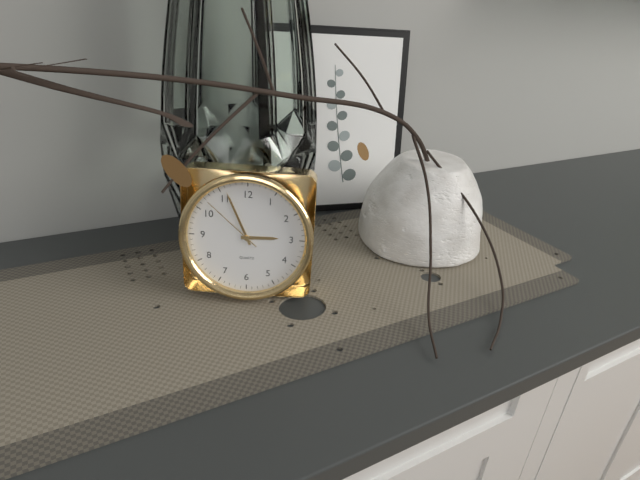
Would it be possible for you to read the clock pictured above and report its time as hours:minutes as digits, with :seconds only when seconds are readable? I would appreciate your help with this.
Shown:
2:56:52
